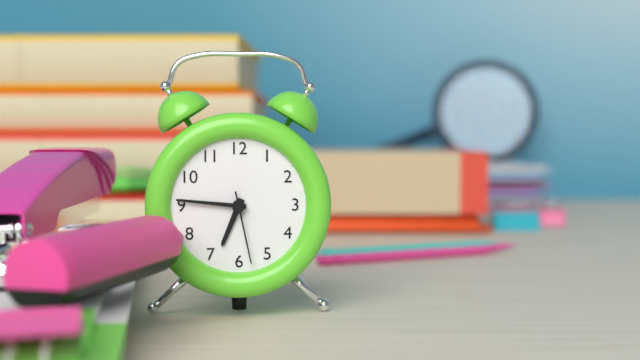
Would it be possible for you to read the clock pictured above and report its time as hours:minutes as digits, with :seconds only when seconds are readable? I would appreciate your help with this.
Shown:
6:46:28
